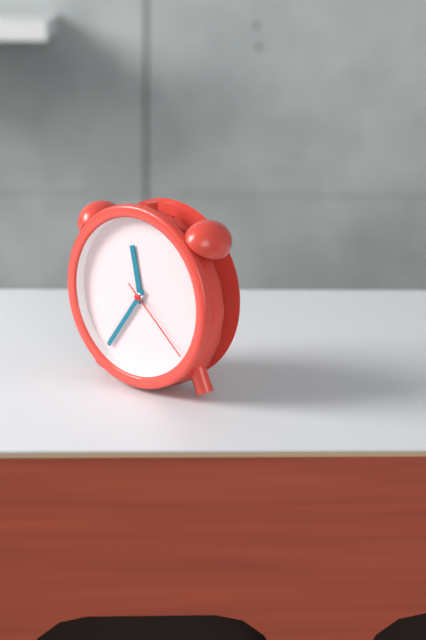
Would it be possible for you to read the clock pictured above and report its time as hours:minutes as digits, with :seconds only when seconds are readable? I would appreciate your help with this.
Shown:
11:36:22
